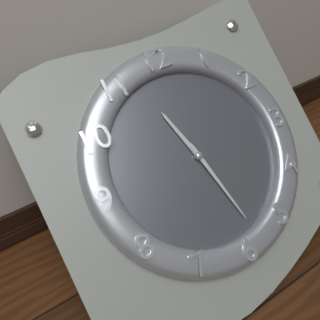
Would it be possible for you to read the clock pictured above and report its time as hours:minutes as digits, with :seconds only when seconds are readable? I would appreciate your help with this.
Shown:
11:28
